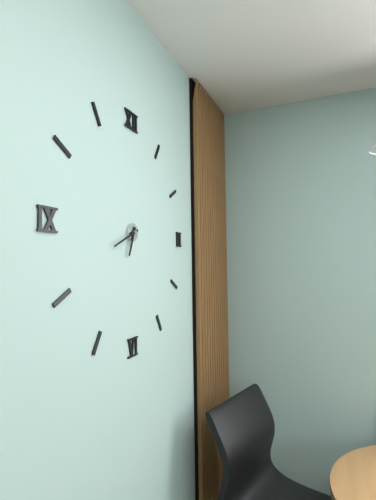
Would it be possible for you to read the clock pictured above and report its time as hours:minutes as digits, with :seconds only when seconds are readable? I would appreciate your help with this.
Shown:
6:41
